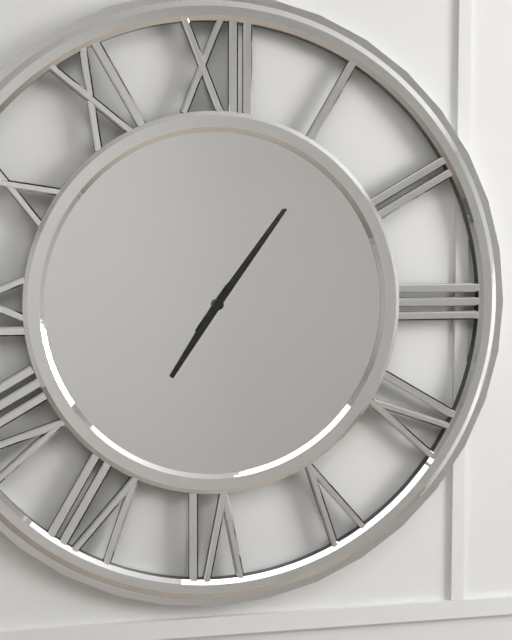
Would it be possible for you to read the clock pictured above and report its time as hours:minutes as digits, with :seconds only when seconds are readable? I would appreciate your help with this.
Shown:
7:06
